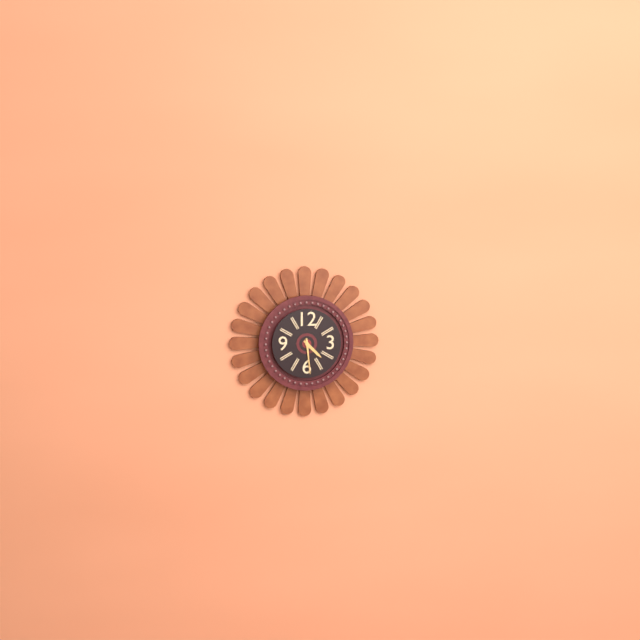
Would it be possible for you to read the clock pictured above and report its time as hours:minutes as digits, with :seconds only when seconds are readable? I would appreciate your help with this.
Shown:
4:29
